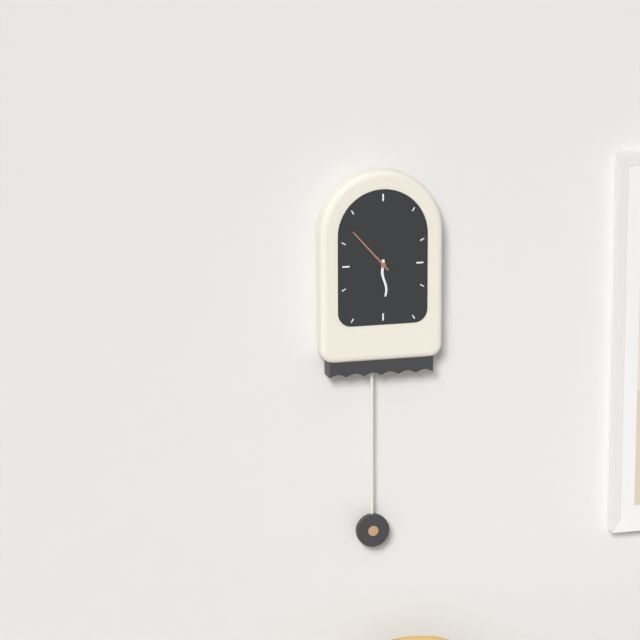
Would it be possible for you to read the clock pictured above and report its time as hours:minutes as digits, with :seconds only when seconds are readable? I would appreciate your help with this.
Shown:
5:53
